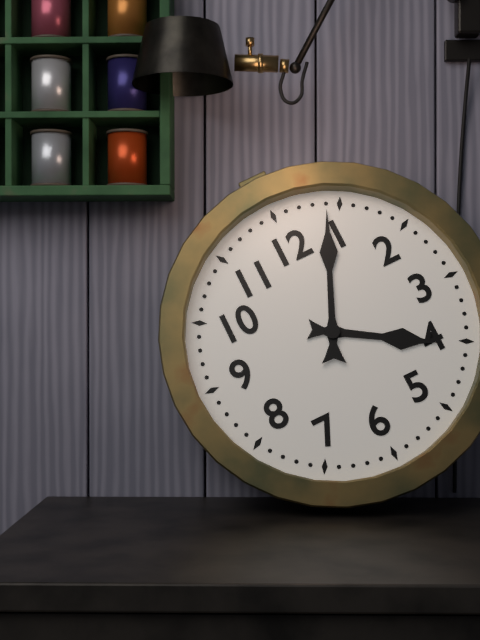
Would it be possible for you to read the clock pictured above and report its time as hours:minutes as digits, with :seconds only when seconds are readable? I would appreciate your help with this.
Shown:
4:04
